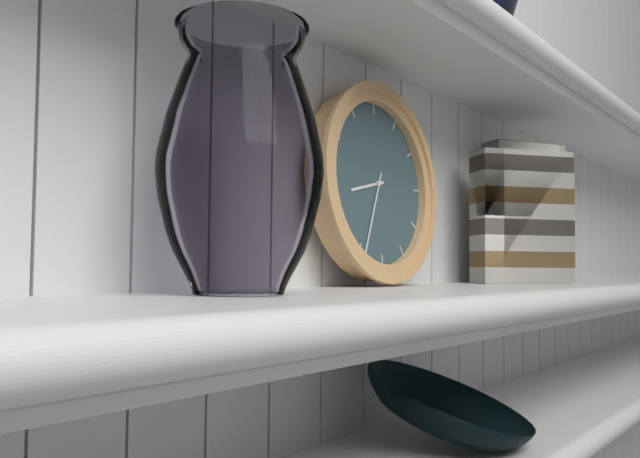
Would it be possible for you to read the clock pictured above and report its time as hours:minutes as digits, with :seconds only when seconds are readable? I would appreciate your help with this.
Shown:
8:34
